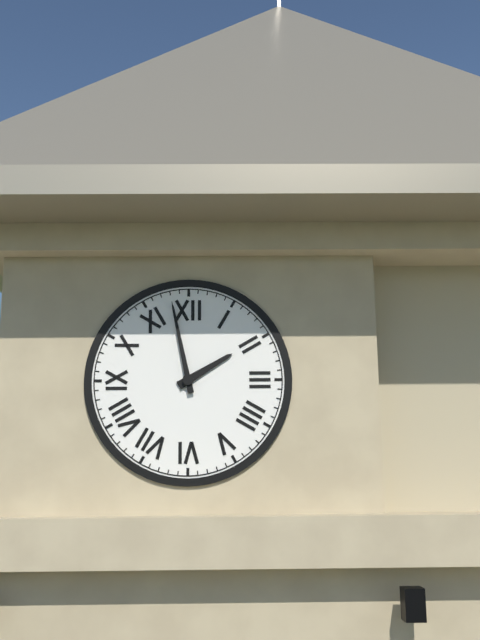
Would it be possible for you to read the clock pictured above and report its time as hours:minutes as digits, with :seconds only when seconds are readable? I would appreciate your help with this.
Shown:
1:58
